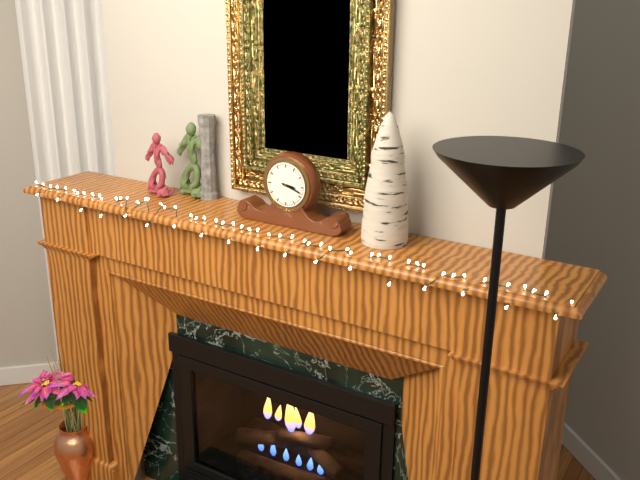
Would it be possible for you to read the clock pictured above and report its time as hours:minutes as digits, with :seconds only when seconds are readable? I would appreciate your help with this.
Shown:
3:18
